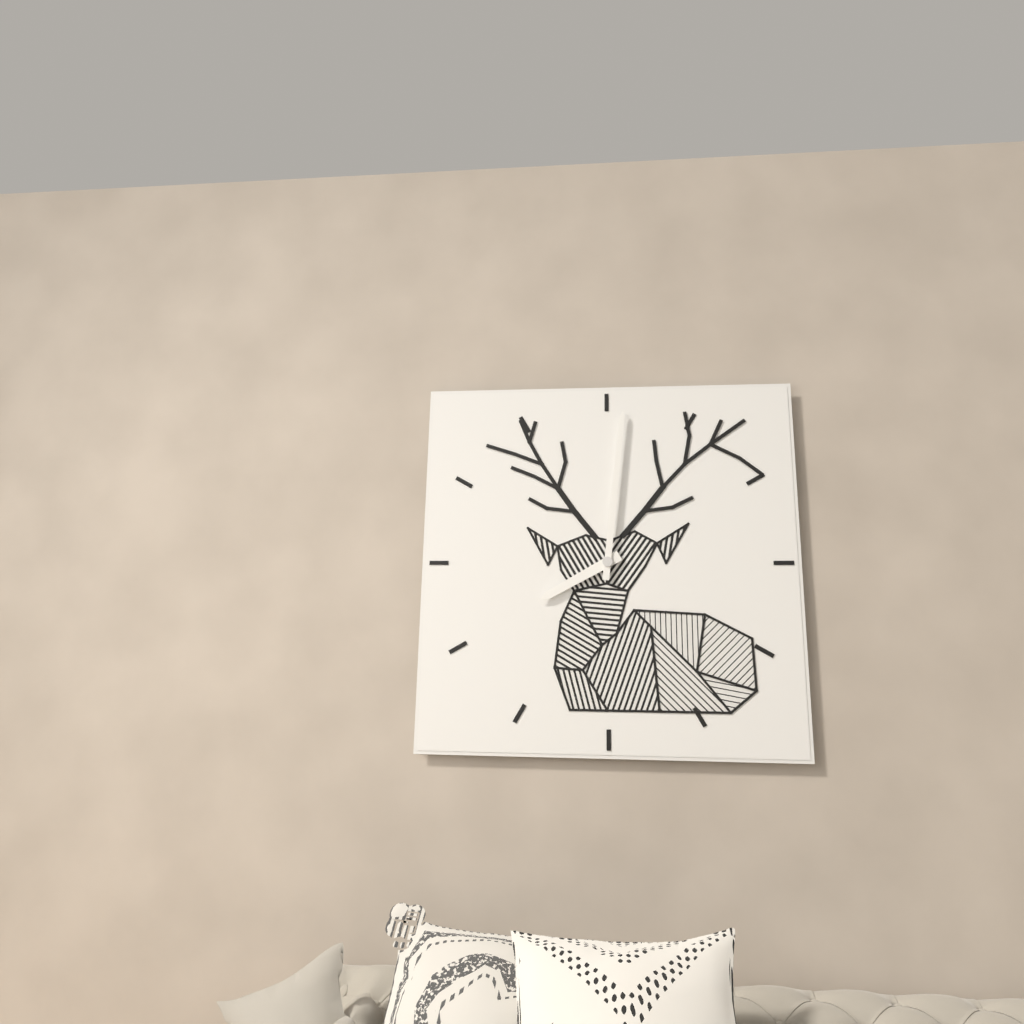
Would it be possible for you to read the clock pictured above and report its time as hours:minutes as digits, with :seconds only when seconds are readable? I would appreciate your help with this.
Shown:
8:01
